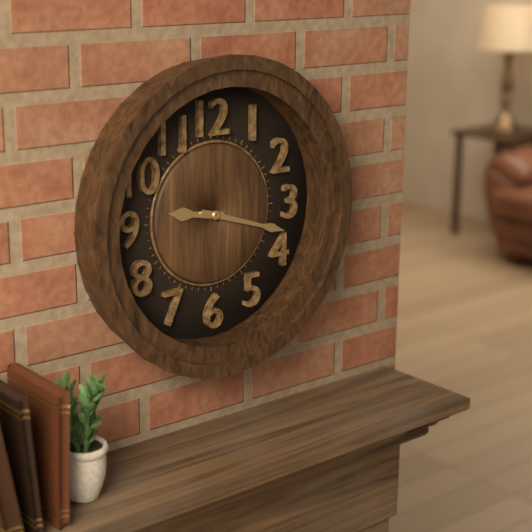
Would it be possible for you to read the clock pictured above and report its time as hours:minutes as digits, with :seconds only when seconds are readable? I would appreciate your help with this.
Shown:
9:18
